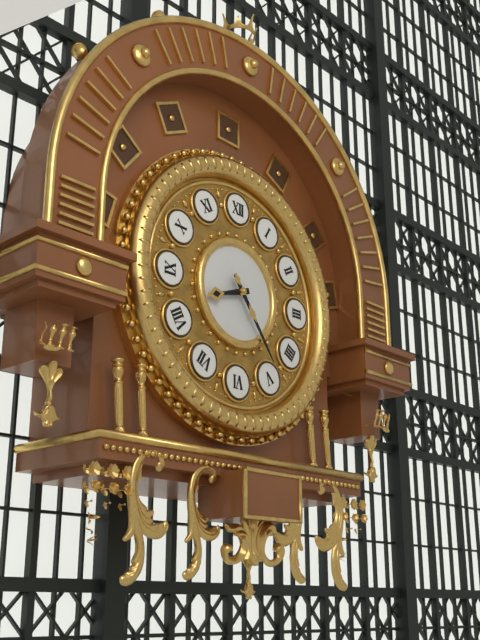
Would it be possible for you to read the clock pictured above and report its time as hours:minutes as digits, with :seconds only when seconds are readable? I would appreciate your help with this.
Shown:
8:24
